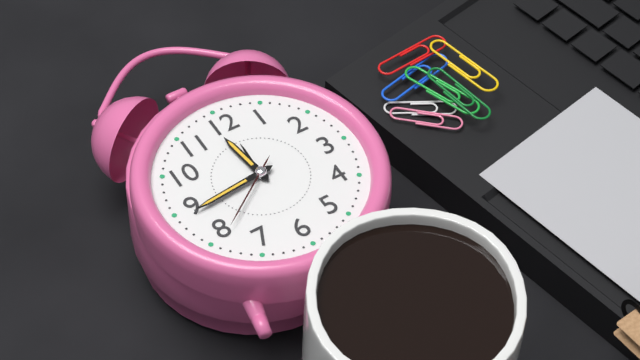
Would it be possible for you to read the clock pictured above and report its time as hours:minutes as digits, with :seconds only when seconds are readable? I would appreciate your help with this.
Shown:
11:44:39
